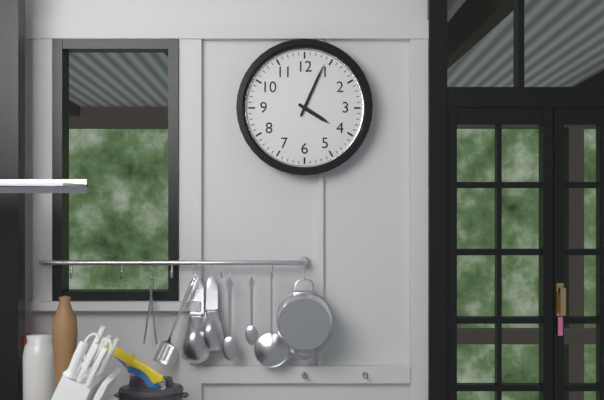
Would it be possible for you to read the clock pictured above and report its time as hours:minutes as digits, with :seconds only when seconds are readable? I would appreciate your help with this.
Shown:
4:04
